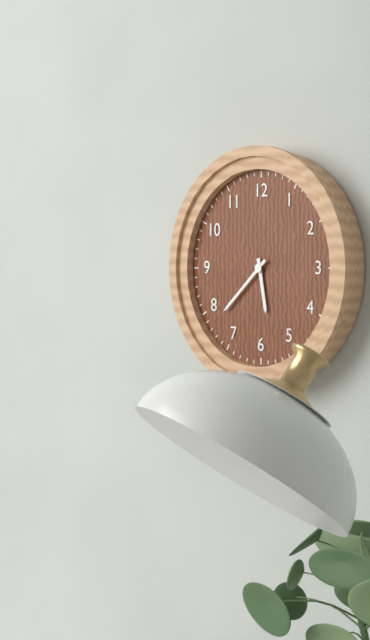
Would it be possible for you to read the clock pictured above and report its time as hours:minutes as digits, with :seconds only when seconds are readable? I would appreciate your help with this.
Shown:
5:38
